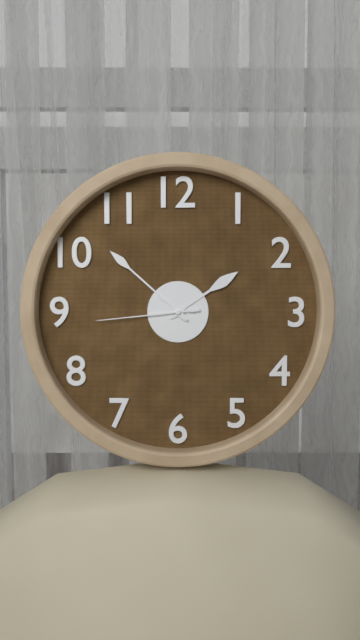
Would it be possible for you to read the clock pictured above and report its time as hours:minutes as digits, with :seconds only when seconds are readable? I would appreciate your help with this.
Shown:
1:52:44
